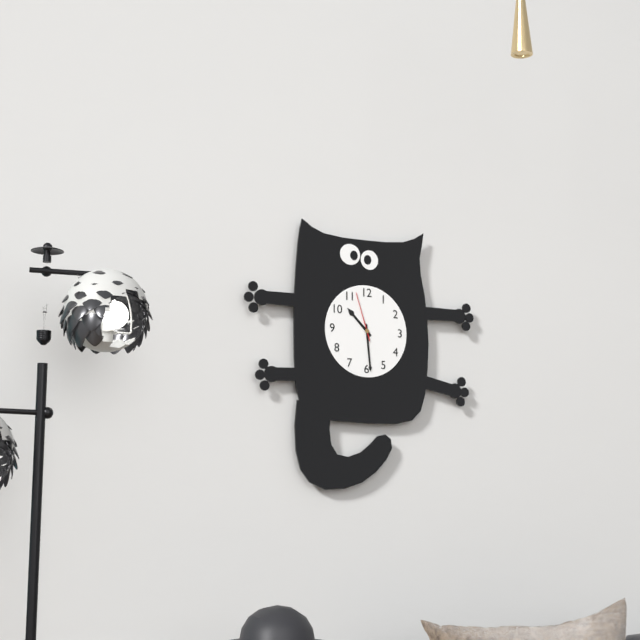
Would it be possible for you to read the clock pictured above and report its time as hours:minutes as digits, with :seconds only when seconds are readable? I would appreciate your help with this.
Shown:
10:29:57
